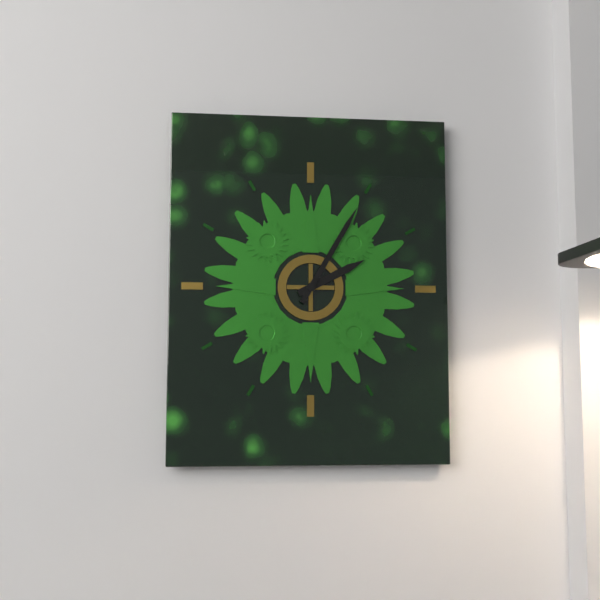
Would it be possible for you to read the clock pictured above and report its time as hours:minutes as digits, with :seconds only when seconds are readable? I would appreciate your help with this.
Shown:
2:05
